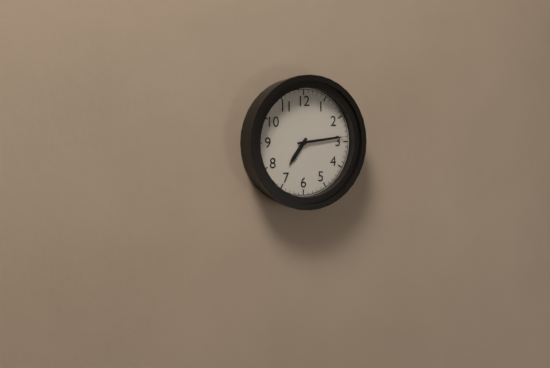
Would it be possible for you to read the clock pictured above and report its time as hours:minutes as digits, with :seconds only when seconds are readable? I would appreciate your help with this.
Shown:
7:14
